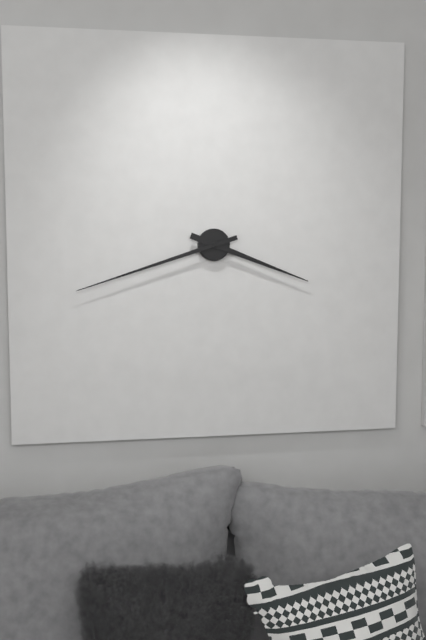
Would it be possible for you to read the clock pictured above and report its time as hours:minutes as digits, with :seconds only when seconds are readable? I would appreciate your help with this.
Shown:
3:42
